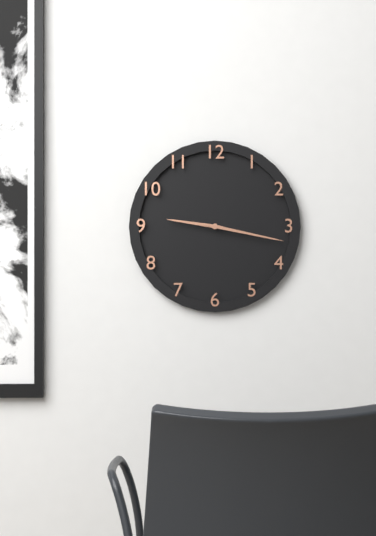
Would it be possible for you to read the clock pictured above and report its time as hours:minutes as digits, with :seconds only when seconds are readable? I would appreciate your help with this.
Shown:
9:17
